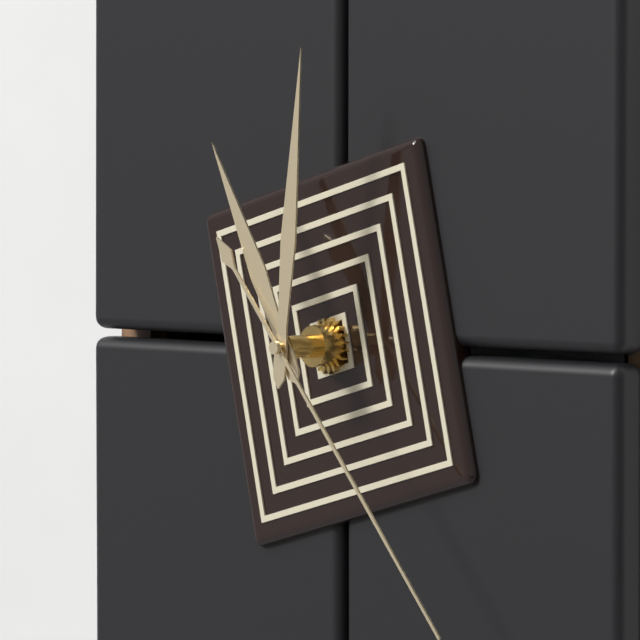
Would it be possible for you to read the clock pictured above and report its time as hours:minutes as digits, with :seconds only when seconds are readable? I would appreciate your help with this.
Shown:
11:01:23
